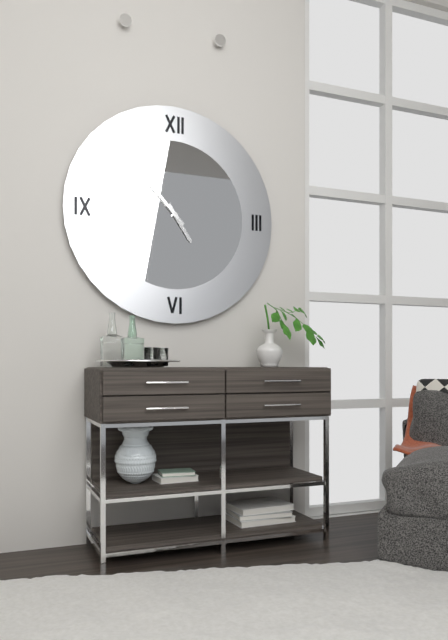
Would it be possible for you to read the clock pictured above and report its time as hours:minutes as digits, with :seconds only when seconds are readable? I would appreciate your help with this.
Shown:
4:53
